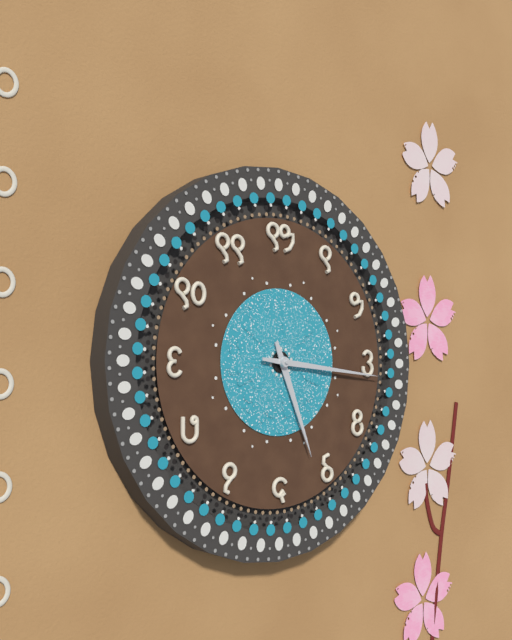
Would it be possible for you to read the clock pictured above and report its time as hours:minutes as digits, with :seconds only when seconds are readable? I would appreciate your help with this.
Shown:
5:16
